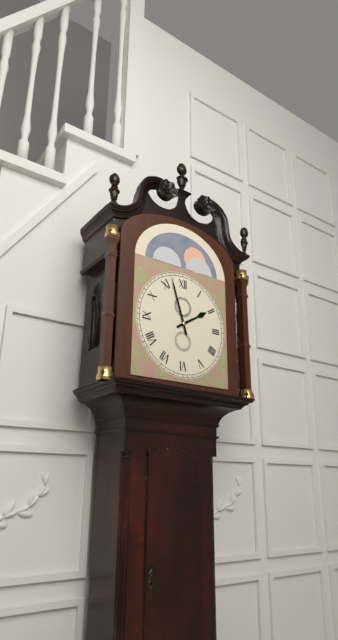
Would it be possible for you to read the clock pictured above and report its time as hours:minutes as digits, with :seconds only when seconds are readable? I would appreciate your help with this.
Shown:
1:57
